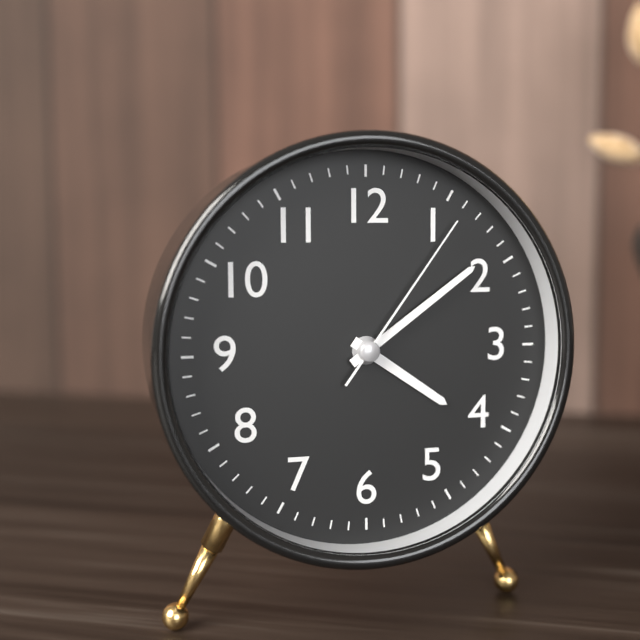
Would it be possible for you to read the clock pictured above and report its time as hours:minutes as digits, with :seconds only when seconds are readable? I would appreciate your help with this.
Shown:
4:09:06
